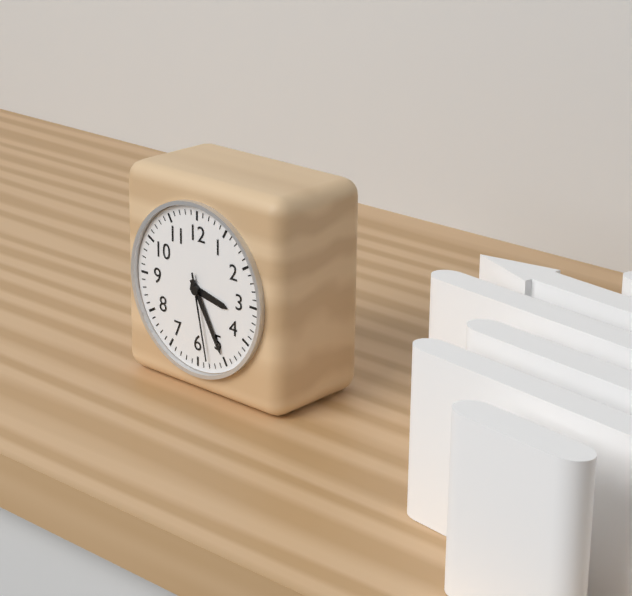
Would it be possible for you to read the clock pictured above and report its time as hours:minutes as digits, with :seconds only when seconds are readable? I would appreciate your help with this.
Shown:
3:25:28
